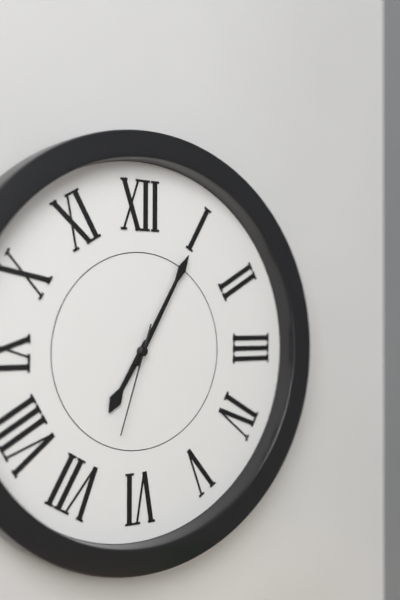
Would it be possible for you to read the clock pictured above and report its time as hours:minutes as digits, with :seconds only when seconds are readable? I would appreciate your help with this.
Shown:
7:05:33
